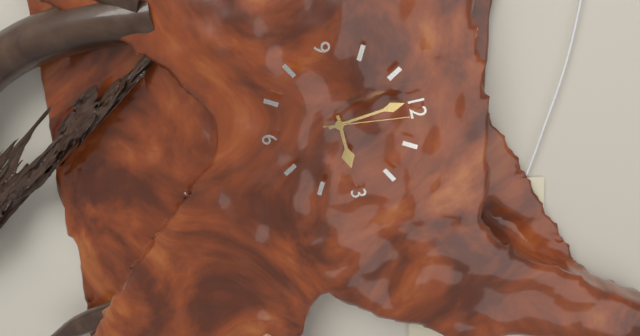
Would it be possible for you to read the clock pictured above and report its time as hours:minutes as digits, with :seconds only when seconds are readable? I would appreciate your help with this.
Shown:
2:59:01
